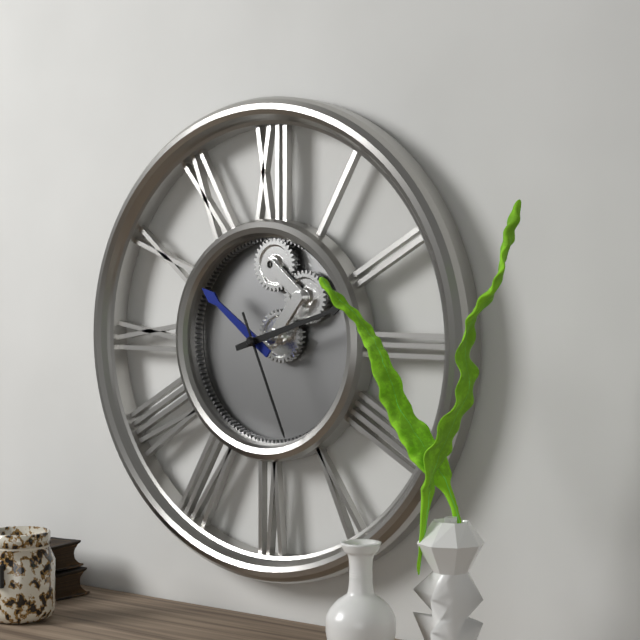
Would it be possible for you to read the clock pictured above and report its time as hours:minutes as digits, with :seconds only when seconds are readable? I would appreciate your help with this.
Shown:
10:12:26
